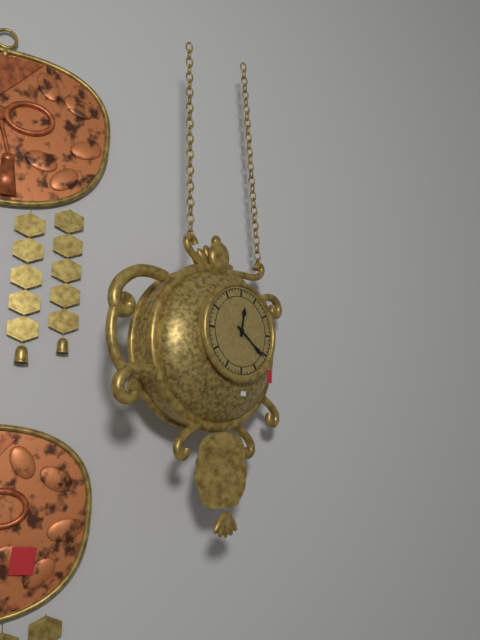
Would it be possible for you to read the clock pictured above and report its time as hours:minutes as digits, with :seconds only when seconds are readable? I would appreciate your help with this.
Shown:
12:21
